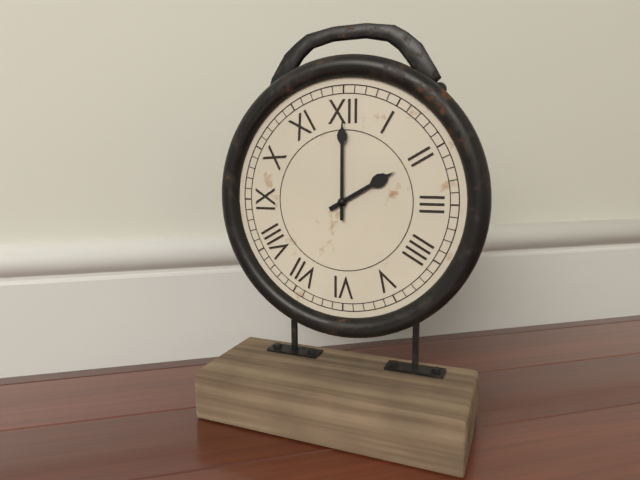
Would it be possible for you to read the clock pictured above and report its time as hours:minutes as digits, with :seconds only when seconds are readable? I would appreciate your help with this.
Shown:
2:00
